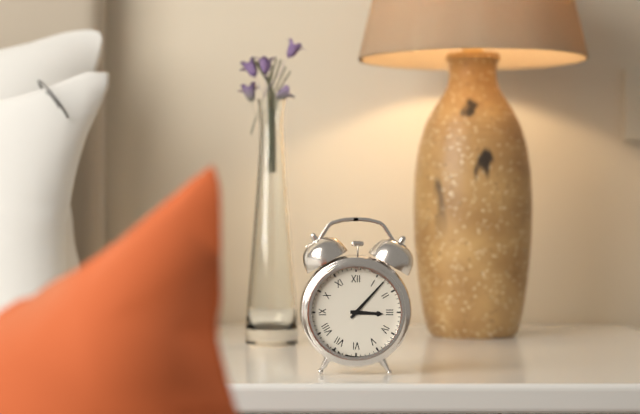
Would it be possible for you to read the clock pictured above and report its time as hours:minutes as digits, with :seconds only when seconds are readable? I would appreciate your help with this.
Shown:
3:07
